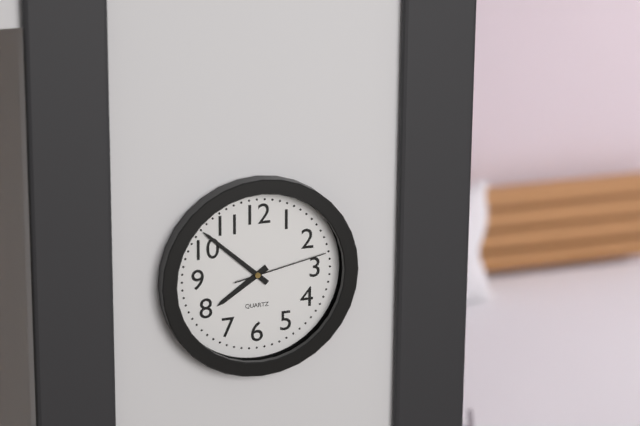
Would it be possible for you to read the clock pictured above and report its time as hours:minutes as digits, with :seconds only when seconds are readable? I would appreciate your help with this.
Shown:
7:52:13
